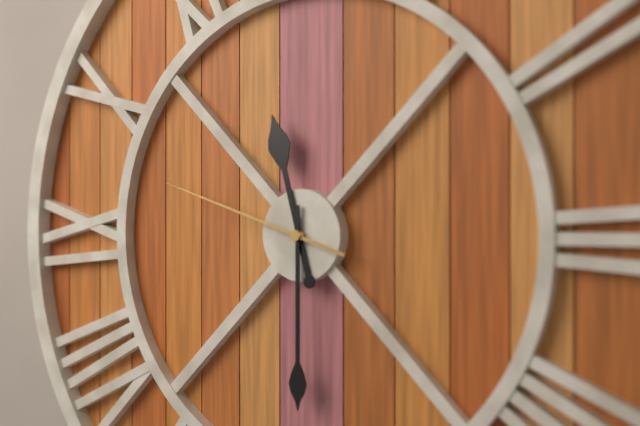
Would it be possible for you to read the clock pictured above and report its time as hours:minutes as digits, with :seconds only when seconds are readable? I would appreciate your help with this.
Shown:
11:30:48
